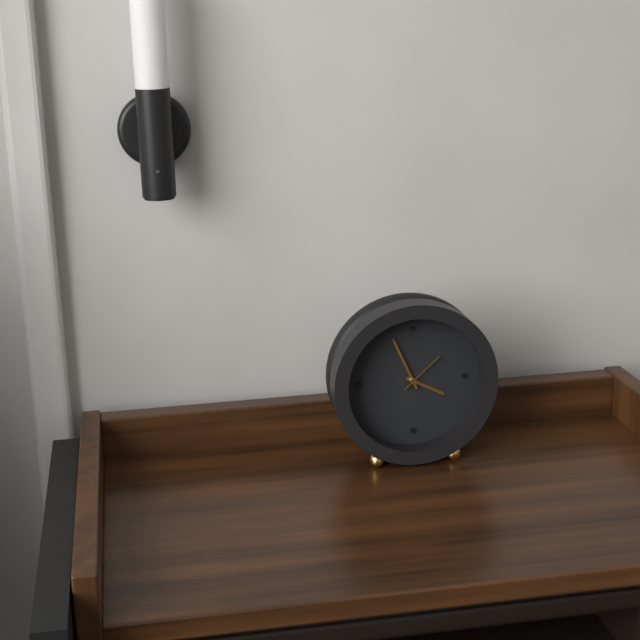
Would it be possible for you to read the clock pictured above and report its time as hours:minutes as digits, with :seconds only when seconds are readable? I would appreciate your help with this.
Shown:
3:56
